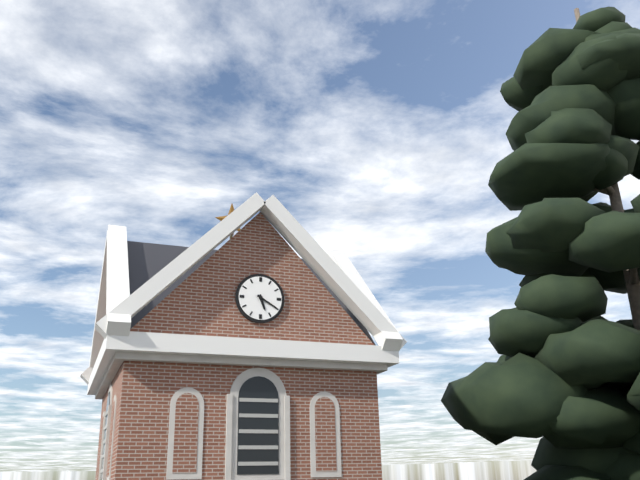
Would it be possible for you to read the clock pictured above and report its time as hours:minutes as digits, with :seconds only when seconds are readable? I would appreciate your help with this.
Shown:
5:20
